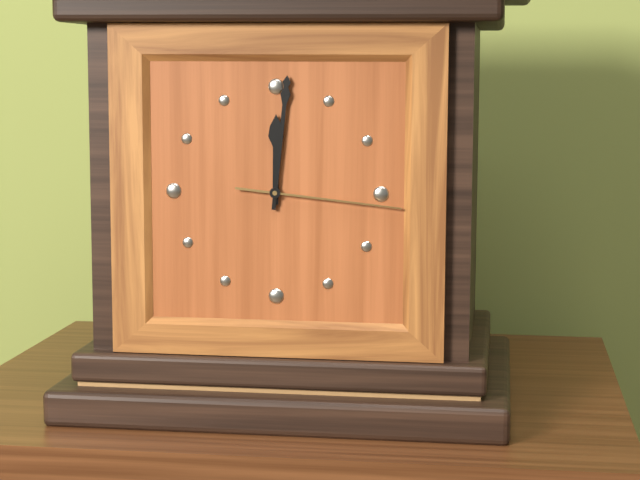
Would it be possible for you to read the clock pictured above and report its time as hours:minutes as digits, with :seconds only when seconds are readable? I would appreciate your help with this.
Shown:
12:01:16
